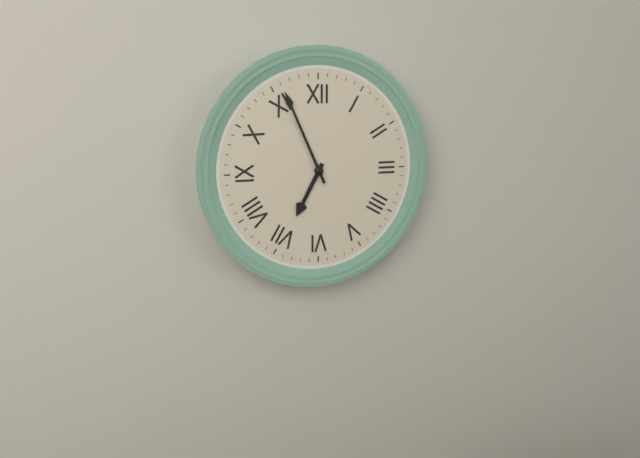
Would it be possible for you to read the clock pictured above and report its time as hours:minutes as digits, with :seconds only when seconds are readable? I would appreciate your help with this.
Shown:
6:56
